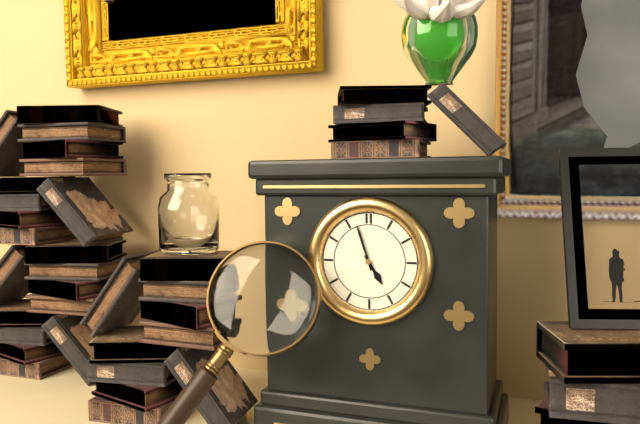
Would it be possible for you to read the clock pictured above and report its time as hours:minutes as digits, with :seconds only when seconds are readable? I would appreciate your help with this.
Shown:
4:57
